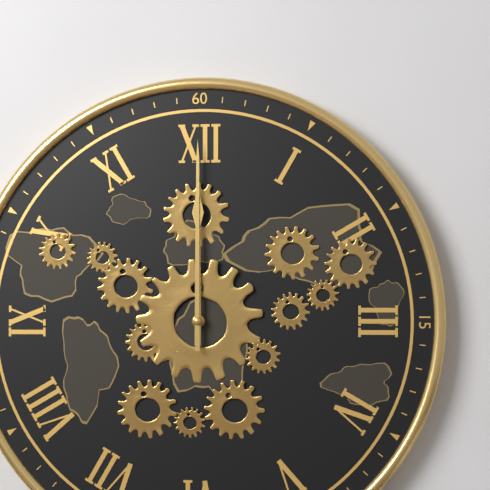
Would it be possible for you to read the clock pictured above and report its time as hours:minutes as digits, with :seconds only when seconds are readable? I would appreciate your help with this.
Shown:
12:00
